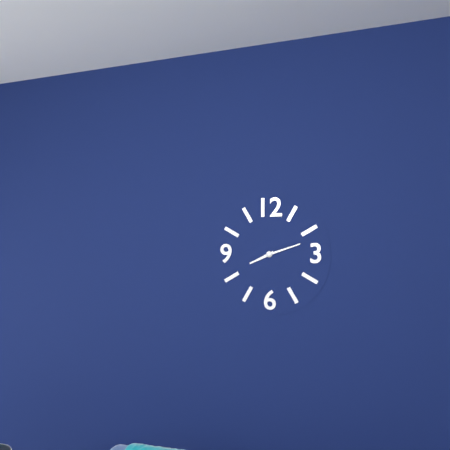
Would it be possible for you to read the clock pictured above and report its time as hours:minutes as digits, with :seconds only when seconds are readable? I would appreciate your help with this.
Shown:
8:12
